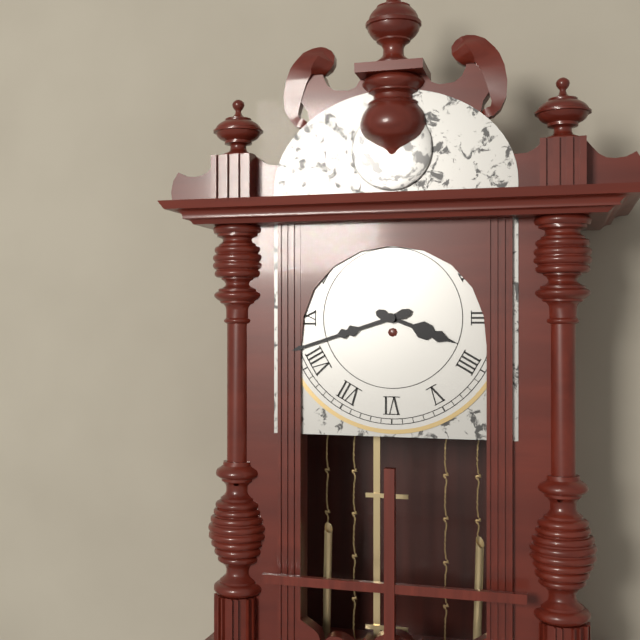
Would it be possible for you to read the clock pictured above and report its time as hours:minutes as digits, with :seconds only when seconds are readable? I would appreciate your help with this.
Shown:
3:42
